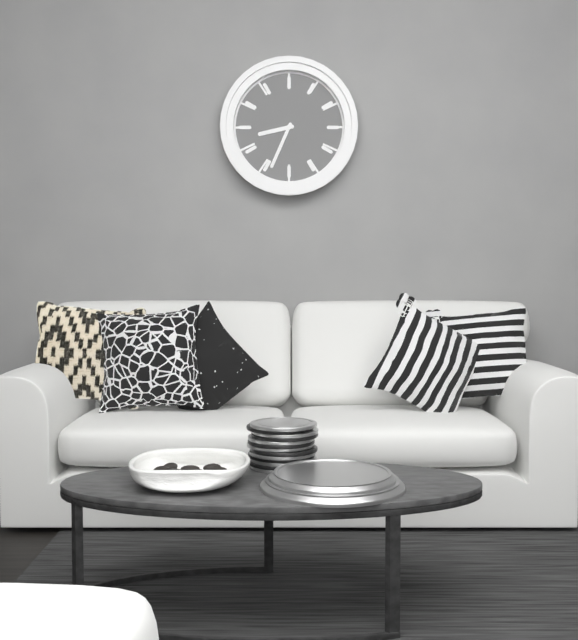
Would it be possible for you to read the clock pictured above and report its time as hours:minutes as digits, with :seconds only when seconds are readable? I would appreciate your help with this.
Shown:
8:34
